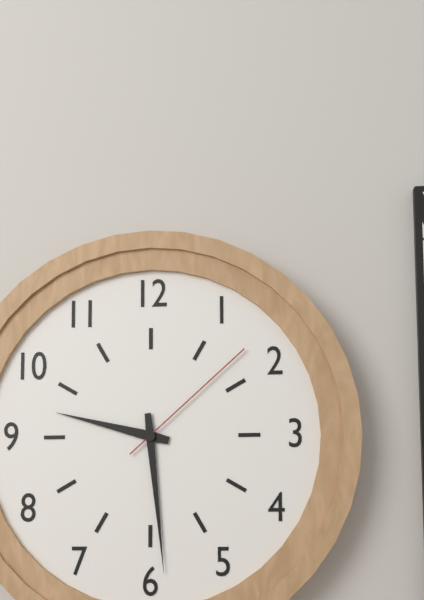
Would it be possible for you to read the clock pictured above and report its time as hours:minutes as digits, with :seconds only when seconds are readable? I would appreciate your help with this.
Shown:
9:29:08
